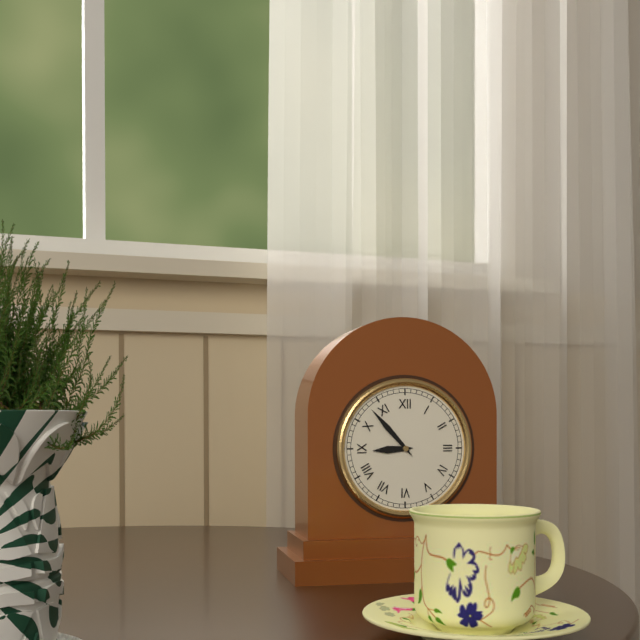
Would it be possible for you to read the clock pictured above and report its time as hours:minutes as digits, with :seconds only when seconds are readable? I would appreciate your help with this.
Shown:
8:53
